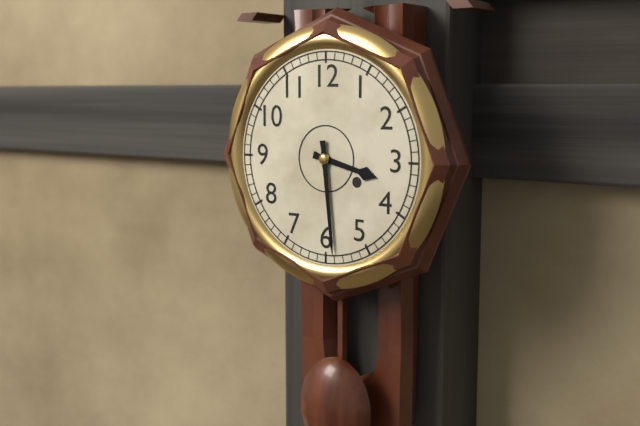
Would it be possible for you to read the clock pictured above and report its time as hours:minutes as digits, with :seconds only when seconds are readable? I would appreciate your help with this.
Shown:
3:29
